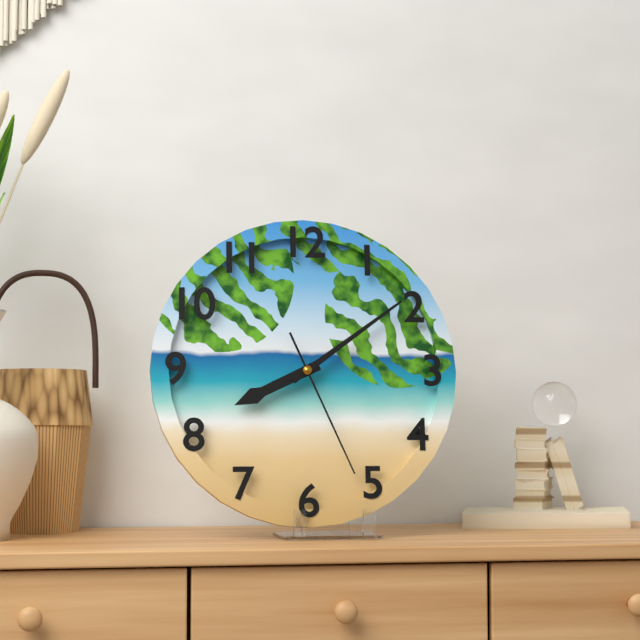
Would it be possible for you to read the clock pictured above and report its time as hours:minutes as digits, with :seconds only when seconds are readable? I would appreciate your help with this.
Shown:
8:09:26
